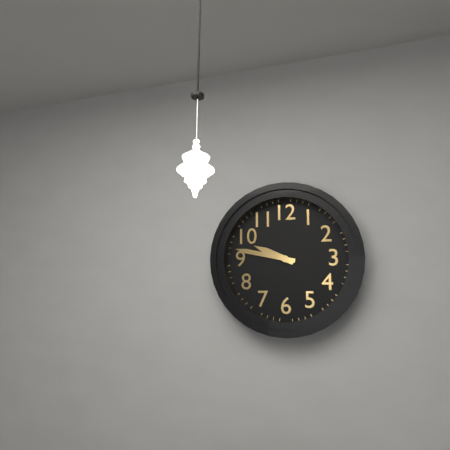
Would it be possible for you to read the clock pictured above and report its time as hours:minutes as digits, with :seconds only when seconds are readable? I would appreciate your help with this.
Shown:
9:47
